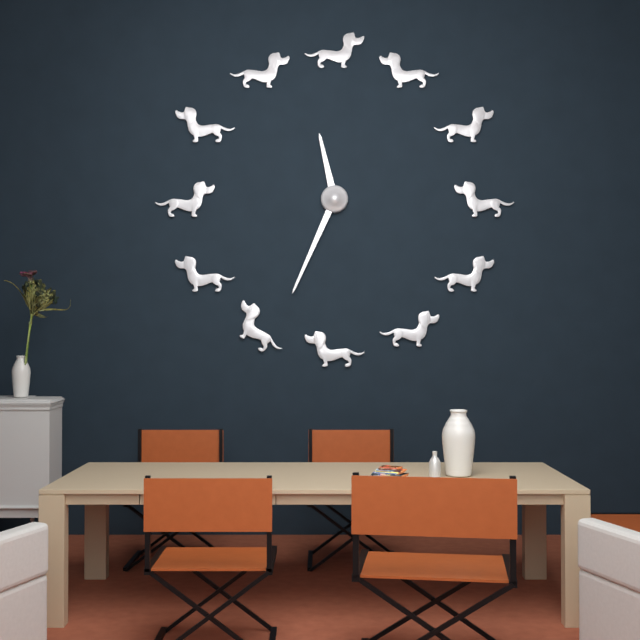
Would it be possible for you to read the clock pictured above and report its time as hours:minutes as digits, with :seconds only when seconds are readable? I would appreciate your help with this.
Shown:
11:34
